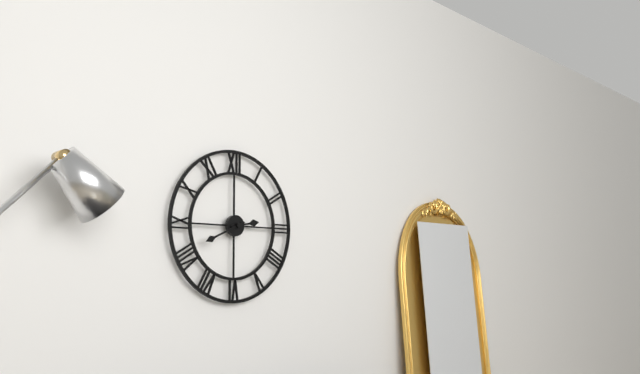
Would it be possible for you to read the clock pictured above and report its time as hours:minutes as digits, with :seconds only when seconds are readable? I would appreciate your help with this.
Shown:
2:41
